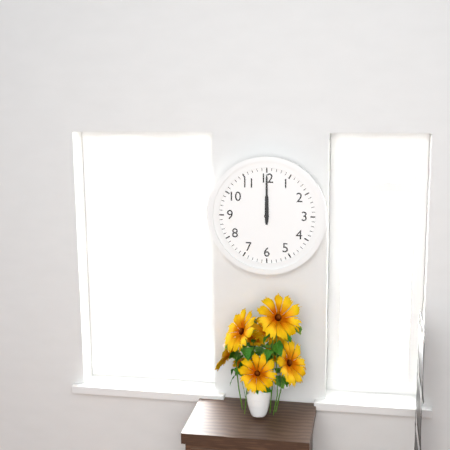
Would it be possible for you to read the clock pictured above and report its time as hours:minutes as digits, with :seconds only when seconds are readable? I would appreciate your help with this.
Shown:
12:00
